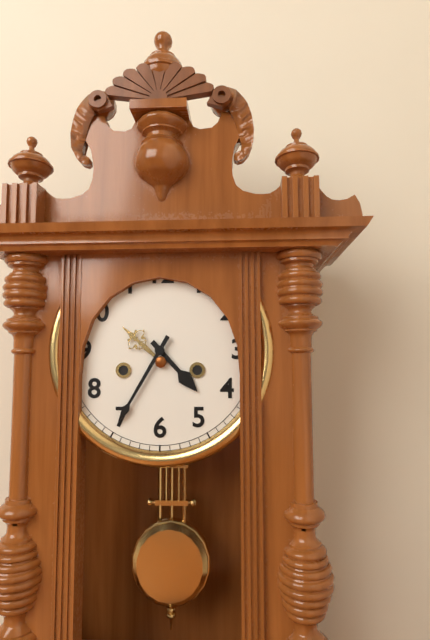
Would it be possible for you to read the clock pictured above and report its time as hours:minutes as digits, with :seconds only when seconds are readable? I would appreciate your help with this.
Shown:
4:35
